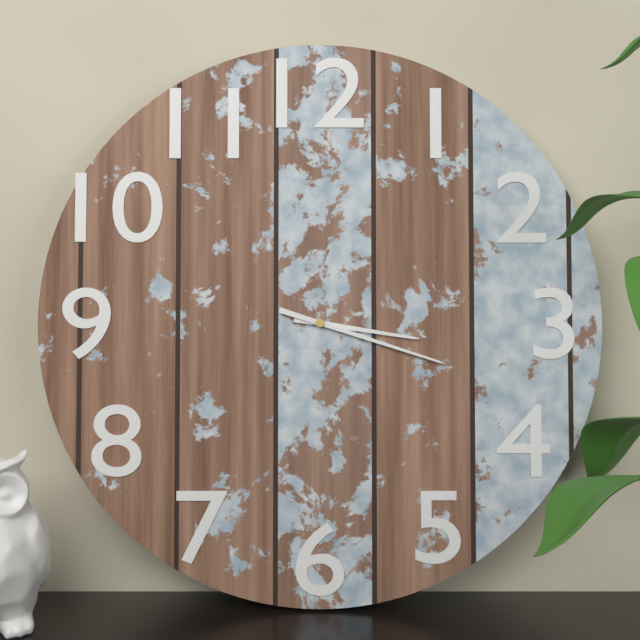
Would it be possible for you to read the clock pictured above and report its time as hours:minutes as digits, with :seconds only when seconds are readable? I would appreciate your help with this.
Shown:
3:18
